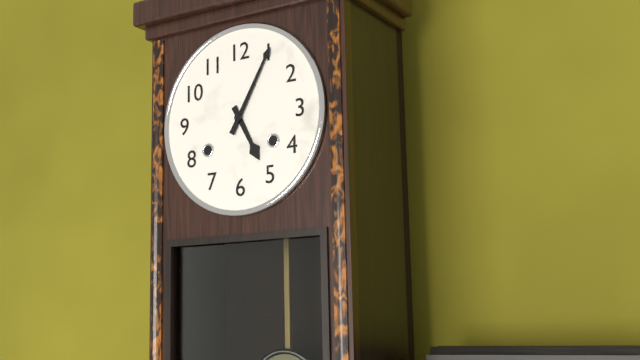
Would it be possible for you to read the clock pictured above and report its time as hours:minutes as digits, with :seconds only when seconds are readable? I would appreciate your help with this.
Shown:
5:05
